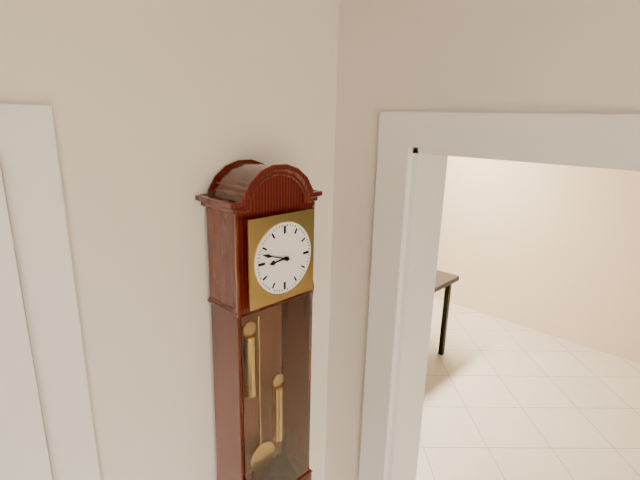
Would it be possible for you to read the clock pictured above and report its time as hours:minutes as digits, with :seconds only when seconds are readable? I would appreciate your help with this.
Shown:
8:48
